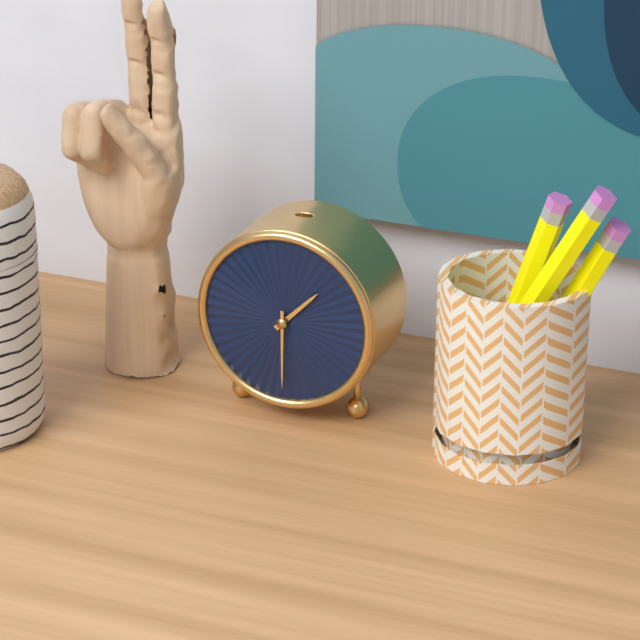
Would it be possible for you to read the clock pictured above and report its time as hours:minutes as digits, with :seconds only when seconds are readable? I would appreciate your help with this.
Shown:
1:30
